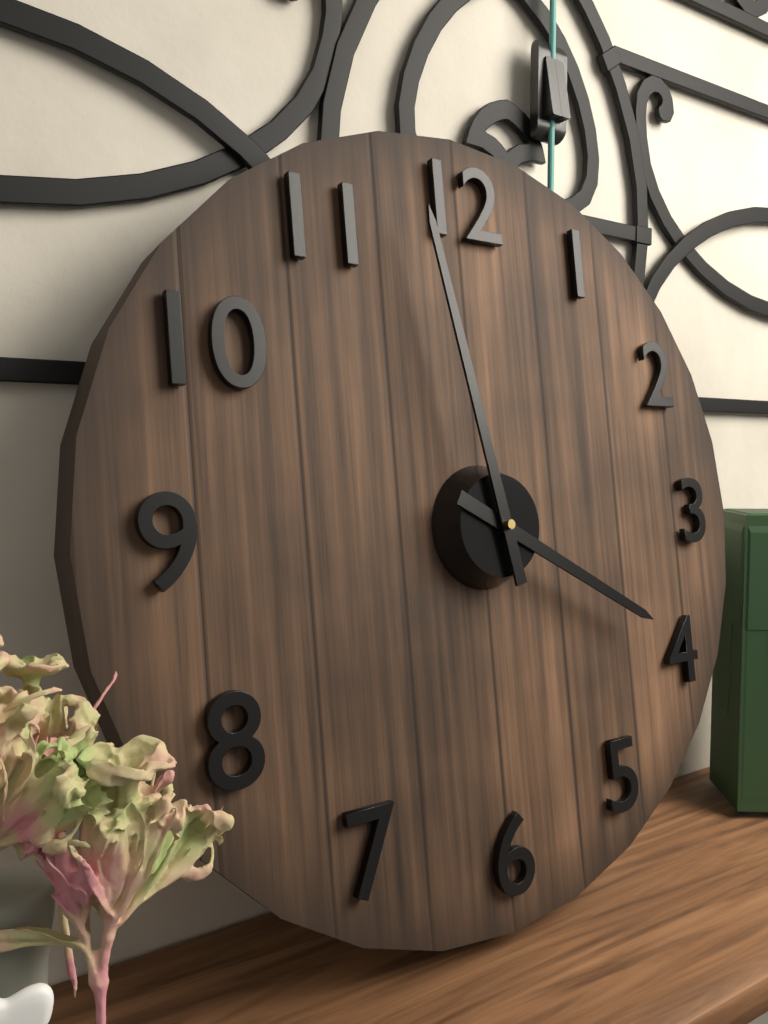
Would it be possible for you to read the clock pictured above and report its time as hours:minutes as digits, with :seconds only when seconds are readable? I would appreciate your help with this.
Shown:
3:58
